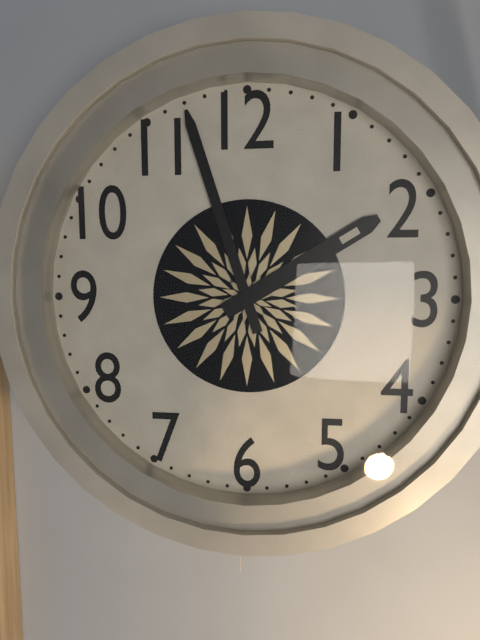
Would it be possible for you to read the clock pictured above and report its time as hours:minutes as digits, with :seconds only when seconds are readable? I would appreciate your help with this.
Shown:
1:57
